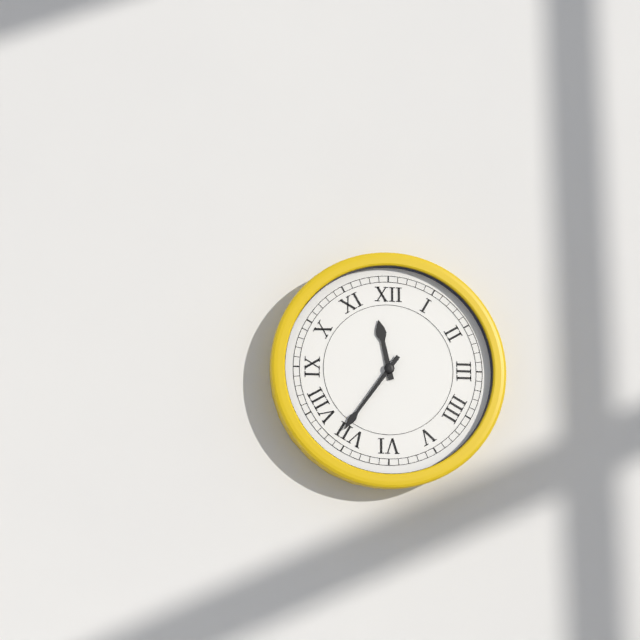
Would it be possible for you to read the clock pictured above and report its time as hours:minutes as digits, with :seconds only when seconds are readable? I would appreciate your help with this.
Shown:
11:36
